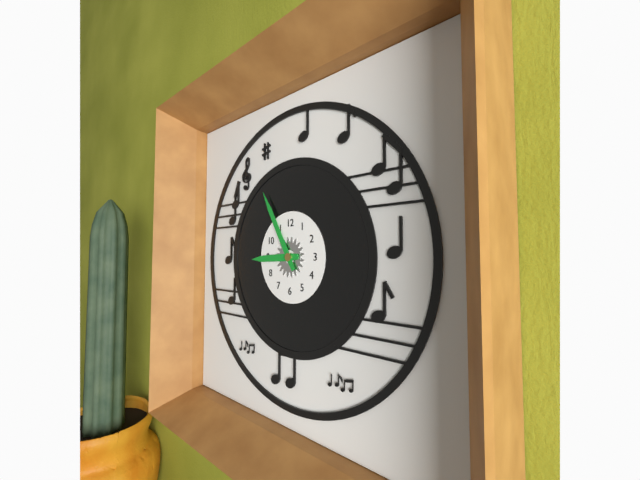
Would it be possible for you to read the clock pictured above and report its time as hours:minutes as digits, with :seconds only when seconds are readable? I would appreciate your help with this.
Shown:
8:55
